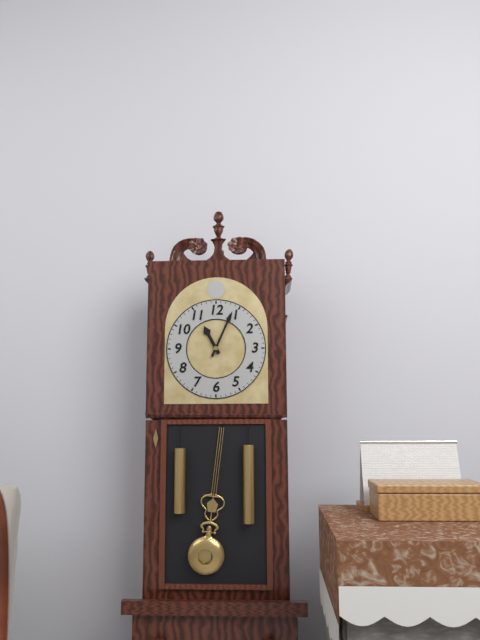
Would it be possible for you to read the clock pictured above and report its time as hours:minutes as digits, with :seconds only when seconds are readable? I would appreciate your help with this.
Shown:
11:04
